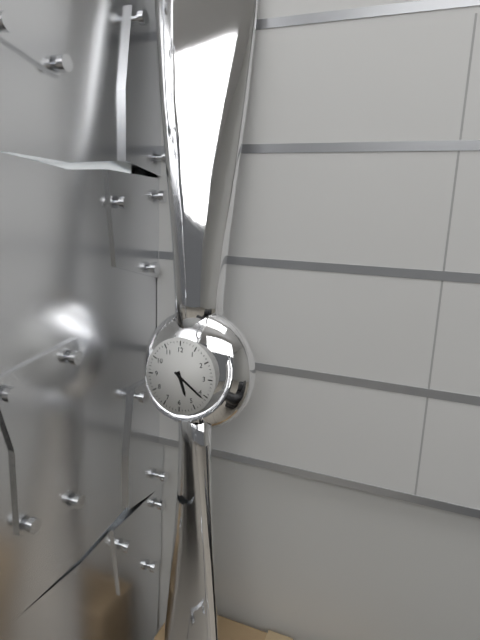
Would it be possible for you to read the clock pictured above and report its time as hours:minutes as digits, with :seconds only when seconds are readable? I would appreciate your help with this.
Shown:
5:21
